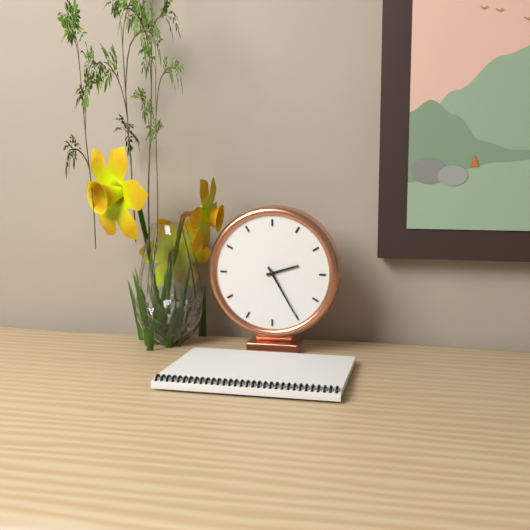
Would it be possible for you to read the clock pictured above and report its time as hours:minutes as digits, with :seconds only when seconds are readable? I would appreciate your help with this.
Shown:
2:25
